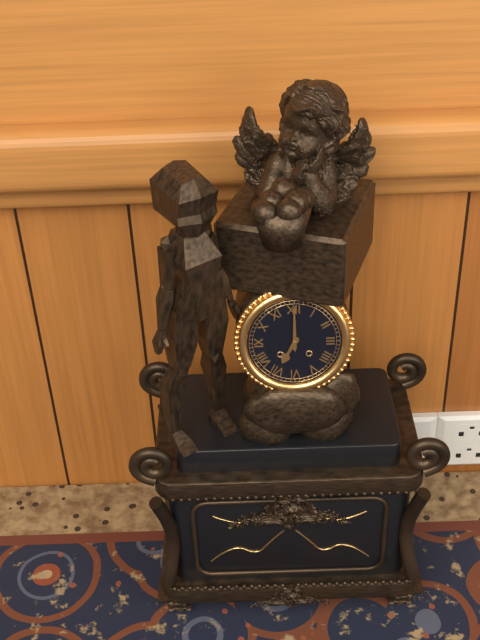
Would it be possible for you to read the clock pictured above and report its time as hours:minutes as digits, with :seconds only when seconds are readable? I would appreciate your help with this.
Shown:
7:00
